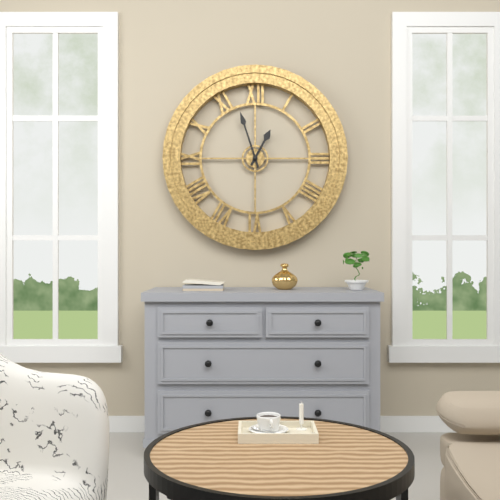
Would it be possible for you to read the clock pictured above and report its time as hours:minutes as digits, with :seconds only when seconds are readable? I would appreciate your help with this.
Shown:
12:57
